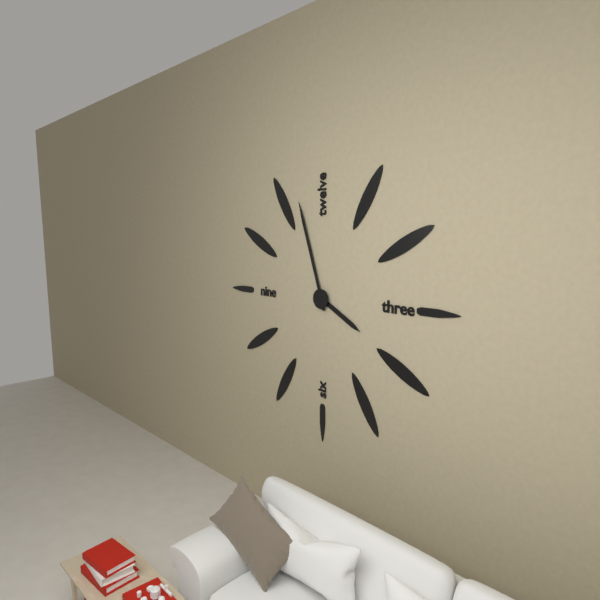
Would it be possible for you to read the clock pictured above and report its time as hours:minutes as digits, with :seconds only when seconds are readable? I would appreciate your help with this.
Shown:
3:57
